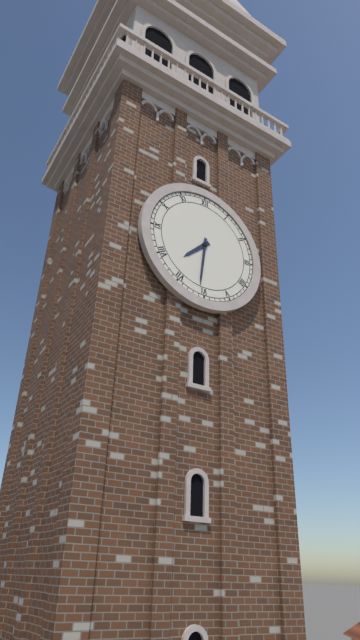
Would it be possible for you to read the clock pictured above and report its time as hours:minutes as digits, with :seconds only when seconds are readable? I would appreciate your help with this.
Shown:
7:31
